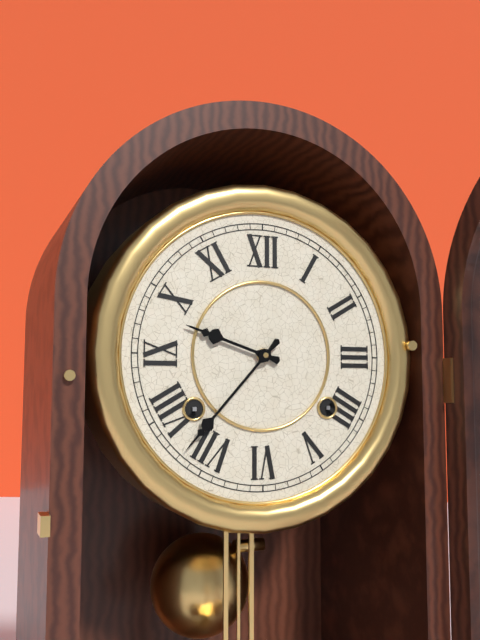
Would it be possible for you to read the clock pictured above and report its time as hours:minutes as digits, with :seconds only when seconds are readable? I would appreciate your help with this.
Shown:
9:37
